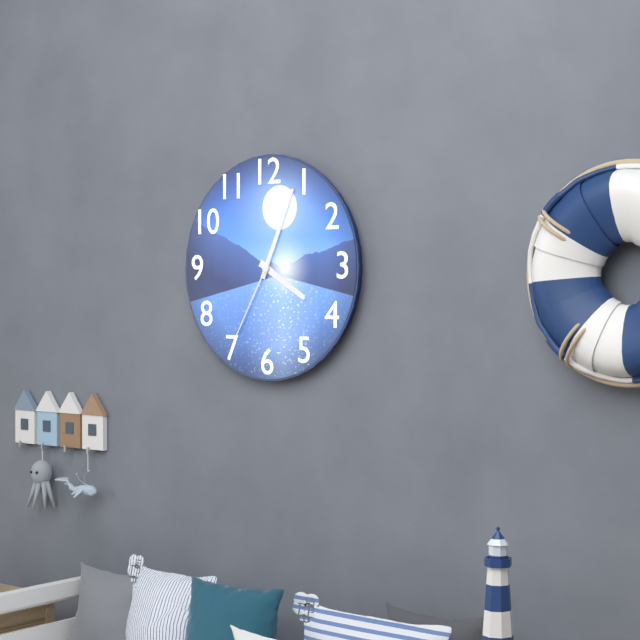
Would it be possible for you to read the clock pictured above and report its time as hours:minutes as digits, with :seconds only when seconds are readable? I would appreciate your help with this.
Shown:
4:04:35
